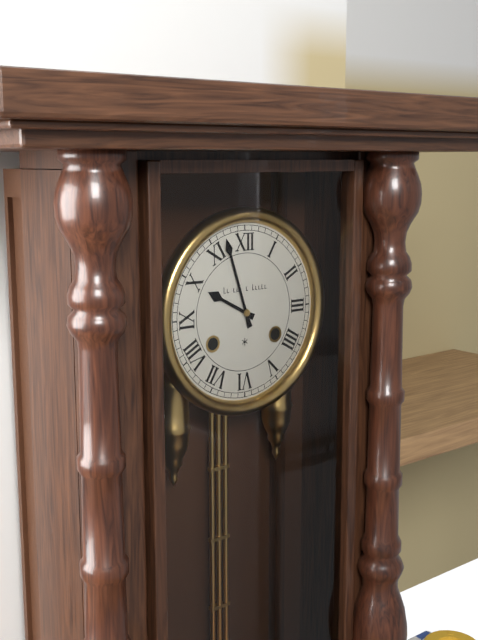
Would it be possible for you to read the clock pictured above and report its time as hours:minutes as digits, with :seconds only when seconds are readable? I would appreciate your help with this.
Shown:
9:57
